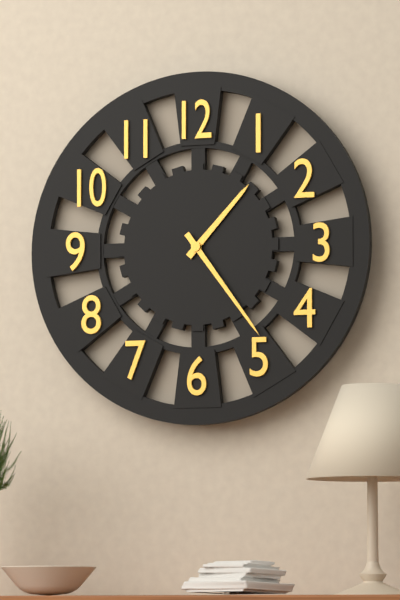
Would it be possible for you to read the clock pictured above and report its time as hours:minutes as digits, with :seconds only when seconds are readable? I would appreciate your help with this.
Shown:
1:24
